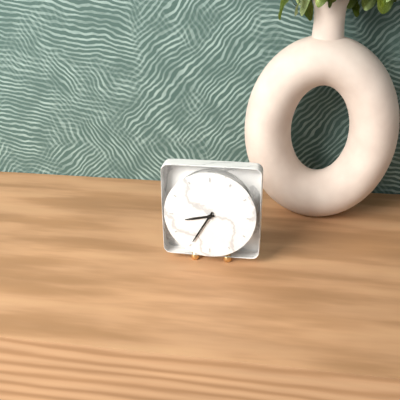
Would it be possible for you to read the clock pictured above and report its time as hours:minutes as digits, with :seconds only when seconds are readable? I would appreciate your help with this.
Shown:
8:35
